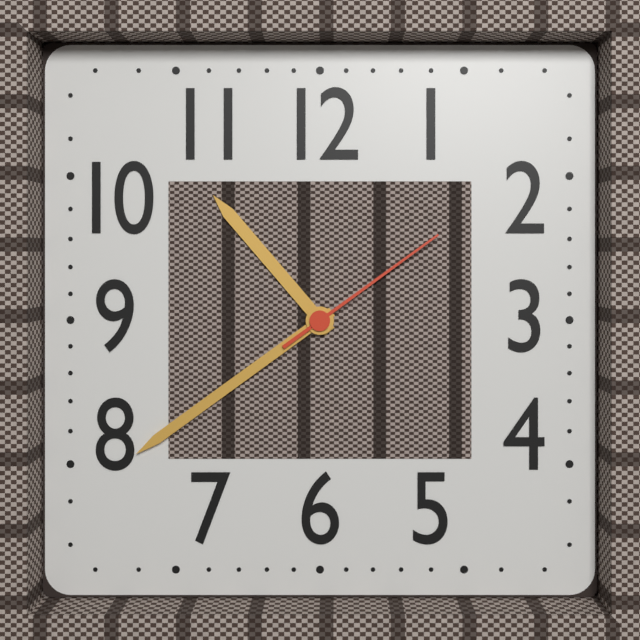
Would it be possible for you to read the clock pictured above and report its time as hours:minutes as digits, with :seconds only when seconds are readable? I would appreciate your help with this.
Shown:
10:39:09
